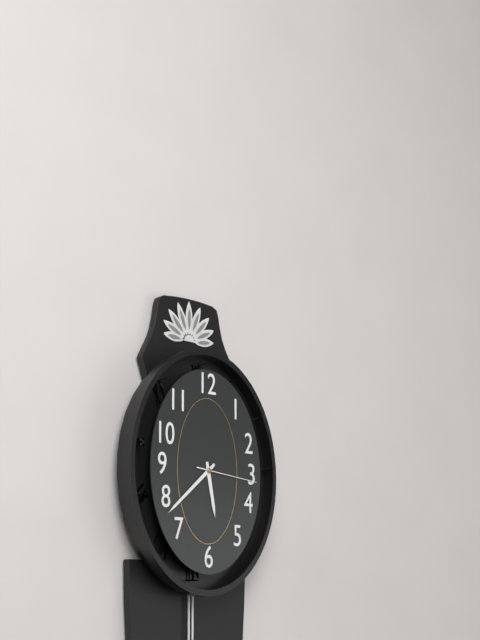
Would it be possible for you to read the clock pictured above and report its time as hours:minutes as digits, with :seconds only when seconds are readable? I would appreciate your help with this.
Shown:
5:38:16
